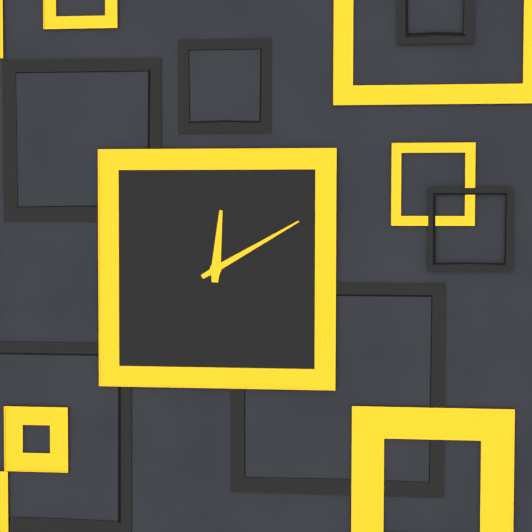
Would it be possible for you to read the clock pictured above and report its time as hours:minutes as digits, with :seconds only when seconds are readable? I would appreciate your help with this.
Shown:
12:10
